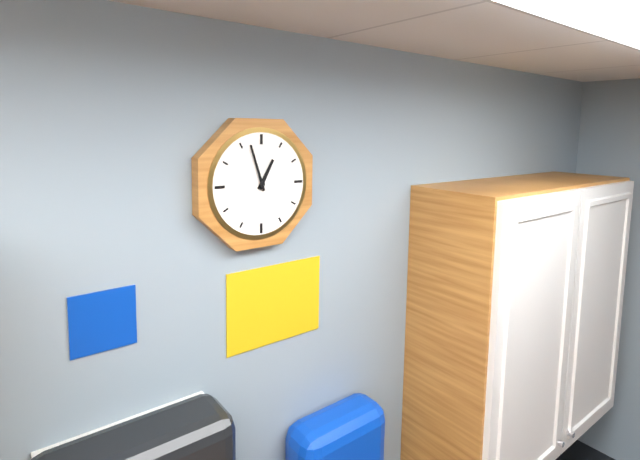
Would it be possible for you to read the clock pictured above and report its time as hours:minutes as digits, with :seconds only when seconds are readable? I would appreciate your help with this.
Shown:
12:57
